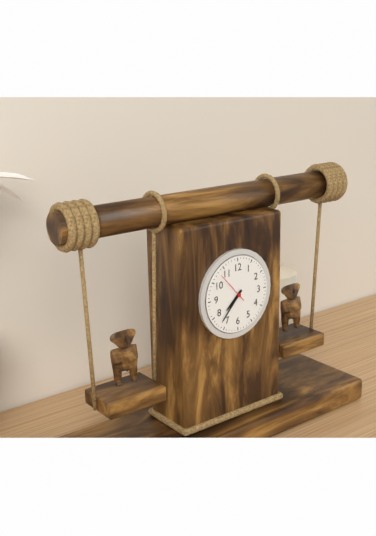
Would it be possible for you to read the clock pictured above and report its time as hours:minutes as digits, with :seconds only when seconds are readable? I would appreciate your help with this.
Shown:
7:37
